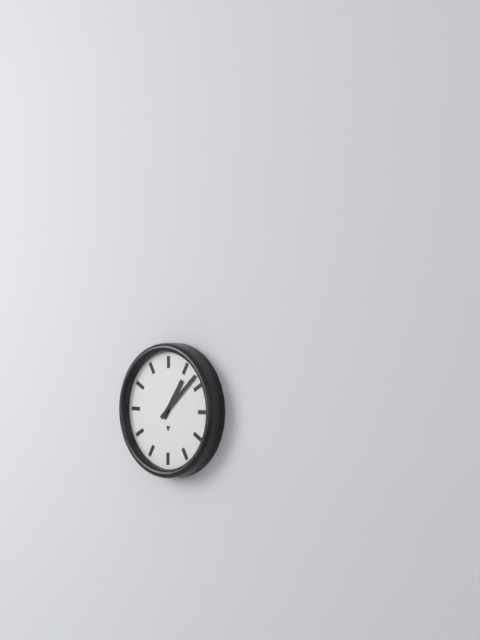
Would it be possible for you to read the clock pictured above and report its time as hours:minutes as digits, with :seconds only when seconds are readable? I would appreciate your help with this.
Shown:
1:08
